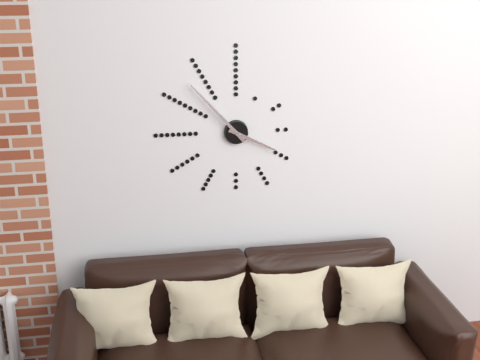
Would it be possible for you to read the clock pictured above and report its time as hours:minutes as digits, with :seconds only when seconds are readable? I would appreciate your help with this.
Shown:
3:53
